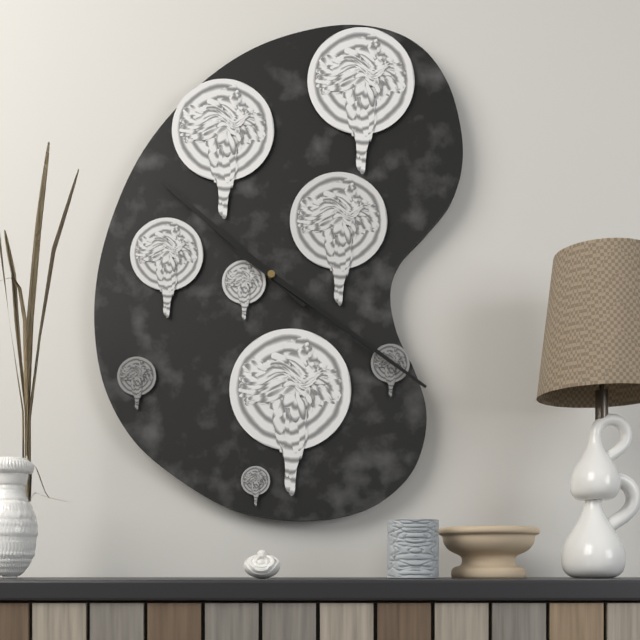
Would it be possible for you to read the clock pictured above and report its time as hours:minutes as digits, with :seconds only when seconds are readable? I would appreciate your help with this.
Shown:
10:21
